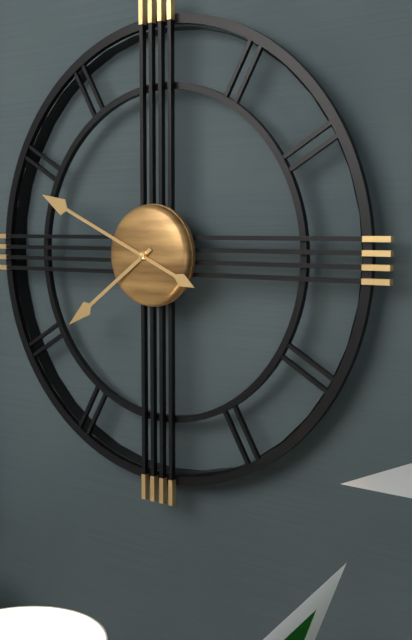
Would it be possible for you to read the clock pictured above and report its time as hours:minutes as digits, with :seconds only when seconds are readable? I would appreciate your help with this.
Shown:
7:49
